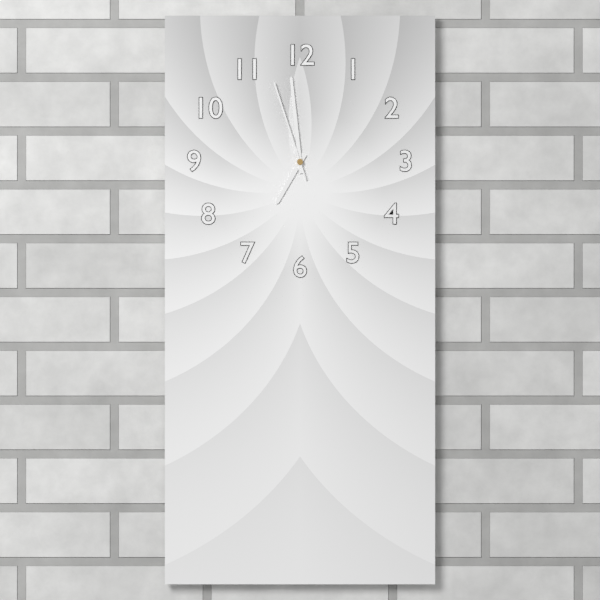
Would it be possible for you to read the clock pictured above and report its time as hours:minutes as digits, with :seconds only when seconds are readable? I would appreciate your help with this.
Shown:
6:59:57
